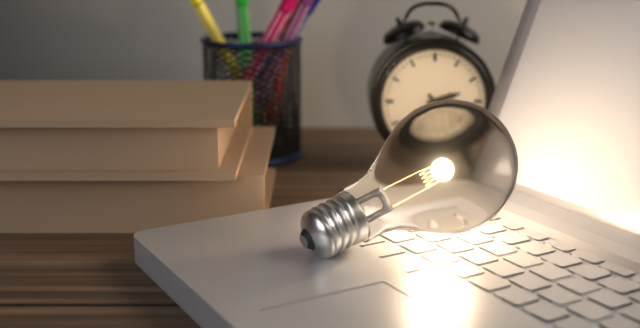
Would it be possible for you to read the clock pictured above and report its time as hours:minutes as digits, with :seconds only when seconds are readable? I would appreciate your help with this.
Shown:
2:24
